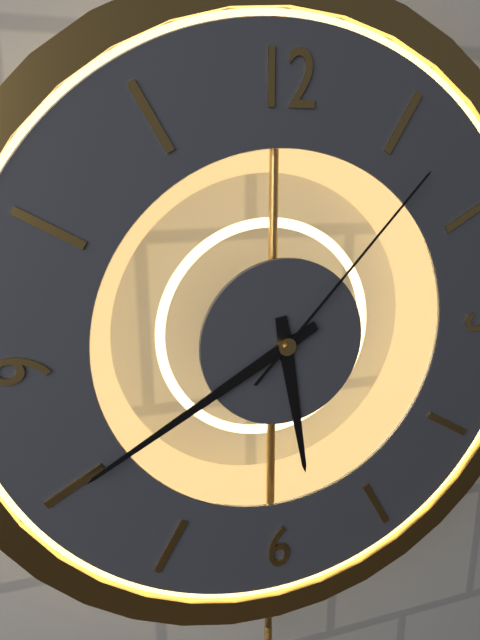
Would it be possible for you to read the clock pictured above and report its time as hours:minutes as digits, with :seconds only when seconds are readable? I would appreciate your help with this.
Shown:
5:40:07
